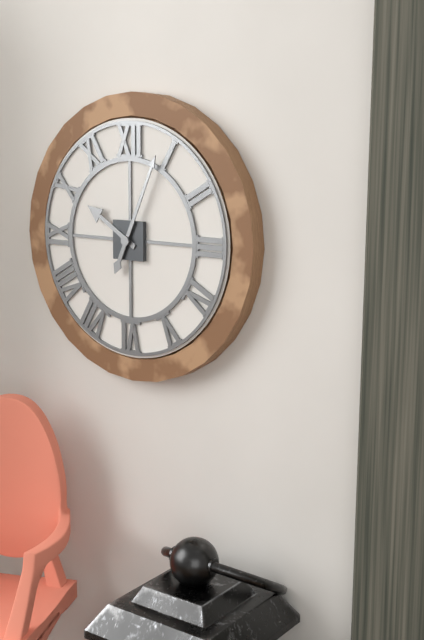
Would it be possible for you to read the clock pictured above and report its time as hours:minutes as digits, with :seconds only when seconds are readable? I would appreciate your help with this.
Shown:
10:04
